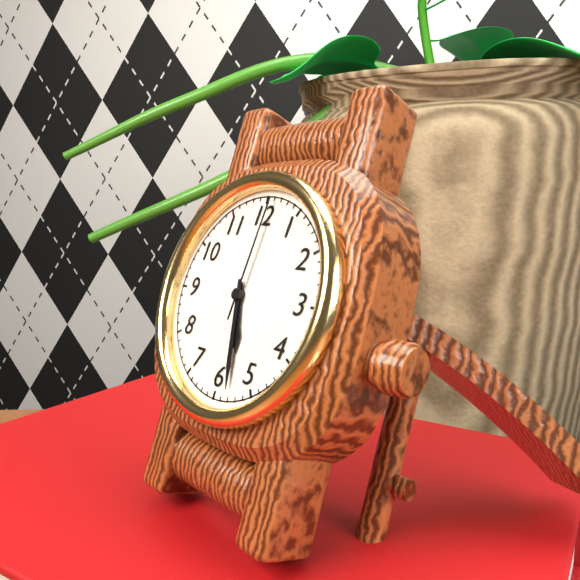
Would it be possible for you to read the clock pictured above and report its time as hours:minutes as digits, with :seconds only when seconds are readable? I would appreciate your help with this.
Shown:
5:28:01
